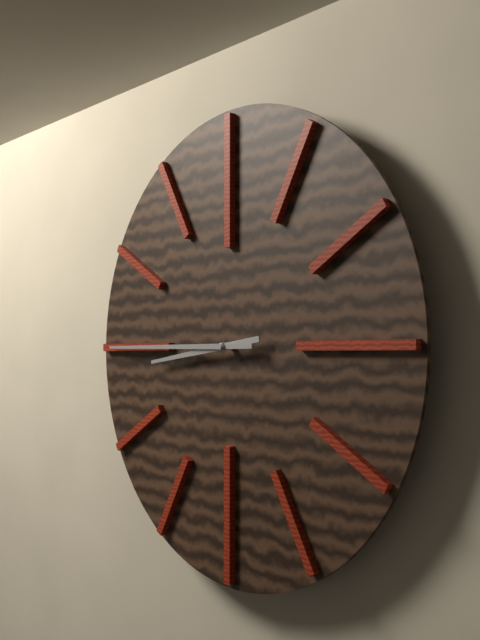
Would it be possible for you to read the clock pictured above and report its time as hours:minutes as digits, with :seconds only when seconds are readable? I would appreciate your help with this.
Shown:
8:45
